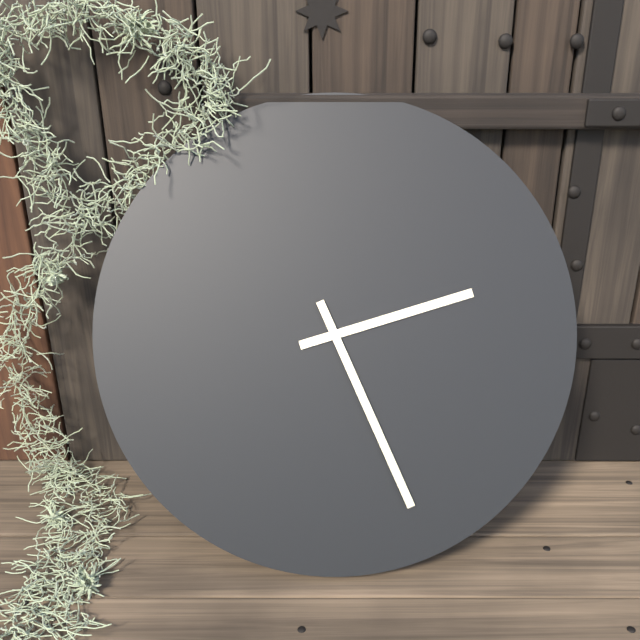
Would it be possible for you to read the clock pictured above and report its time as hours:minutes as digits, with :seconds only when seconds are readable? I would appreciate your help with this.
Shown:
2:26
